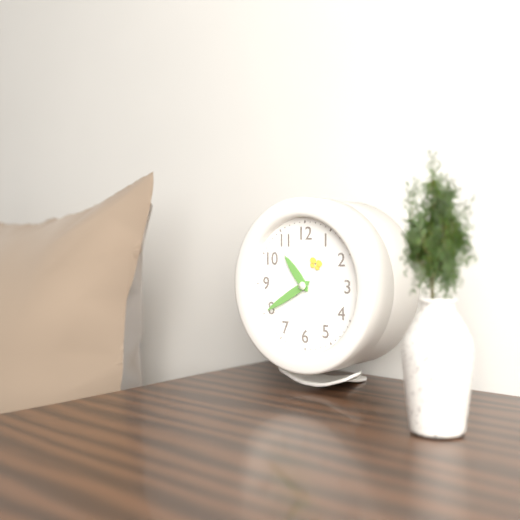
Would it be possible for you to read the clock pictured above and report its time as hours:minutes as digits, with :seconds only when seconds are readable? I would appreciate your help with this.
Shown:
10:40
